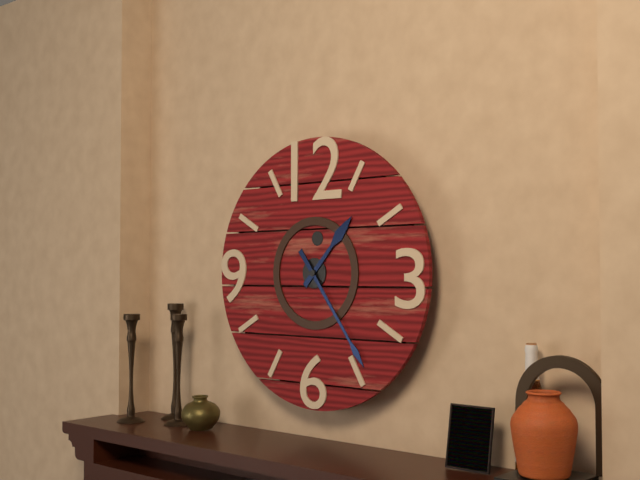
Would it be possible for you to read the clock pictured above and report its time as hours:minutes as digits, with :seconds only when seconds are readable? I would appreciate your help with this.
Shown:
1:24
